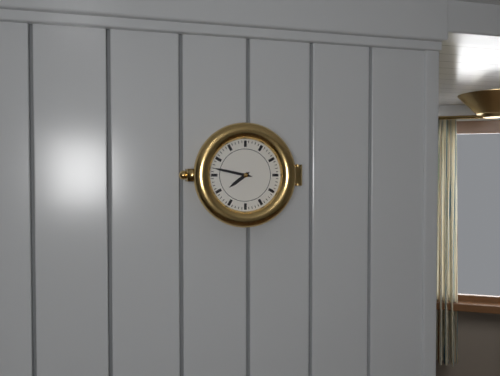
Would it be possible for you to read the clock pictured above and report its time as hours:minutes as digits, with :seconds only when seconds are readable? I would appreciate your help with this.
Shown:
7:47
